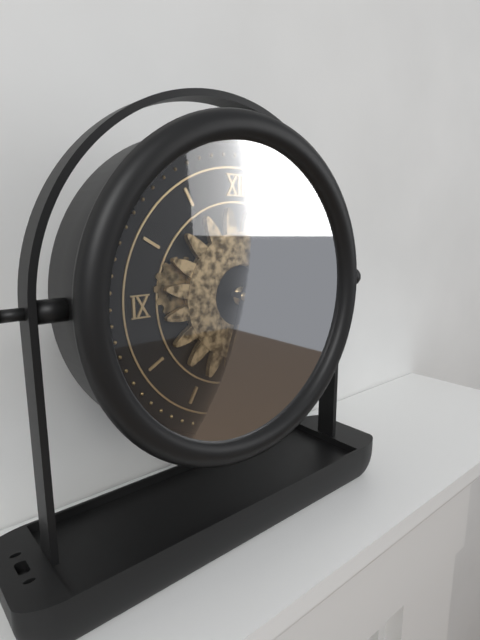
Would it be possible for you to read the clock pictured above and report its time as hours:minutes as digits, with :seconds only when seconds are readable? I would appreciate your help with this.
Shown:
3:33
